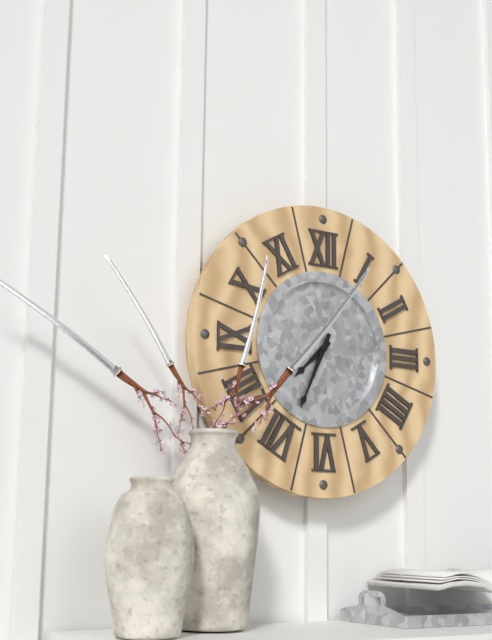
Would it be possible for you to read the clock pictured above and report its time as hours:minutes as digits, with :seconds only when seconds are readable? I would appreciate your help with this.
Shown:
7:34
